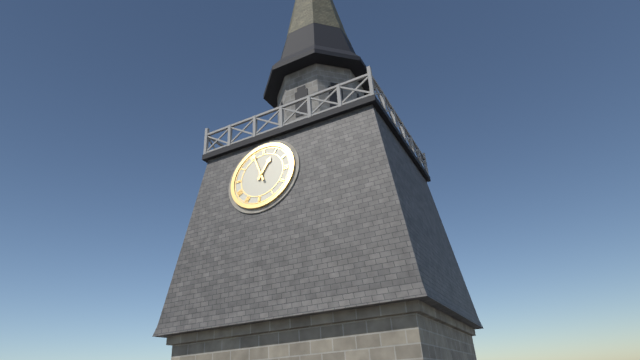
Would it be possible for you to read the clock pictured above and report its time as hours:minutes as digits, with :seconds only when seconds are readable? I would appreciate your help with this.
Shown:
12:56
